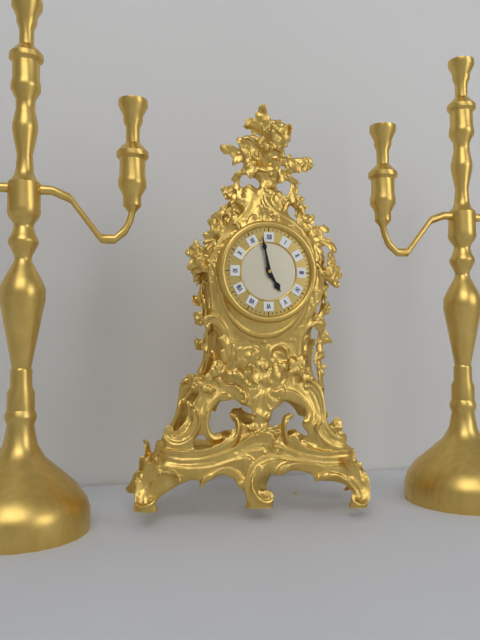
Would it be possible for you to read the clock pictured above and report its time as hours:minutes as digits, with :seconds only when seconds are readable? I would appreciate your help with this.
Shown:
4:58
